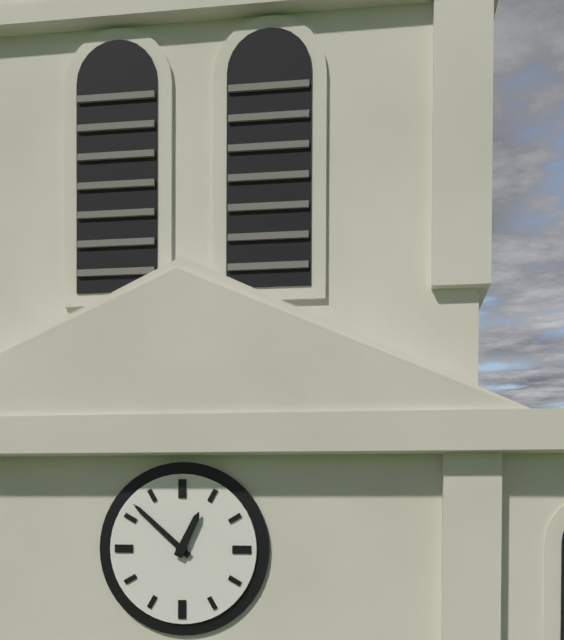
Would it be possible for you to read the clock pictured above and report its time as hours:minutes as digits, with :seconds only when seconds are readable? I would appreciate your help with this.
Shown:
12:52
